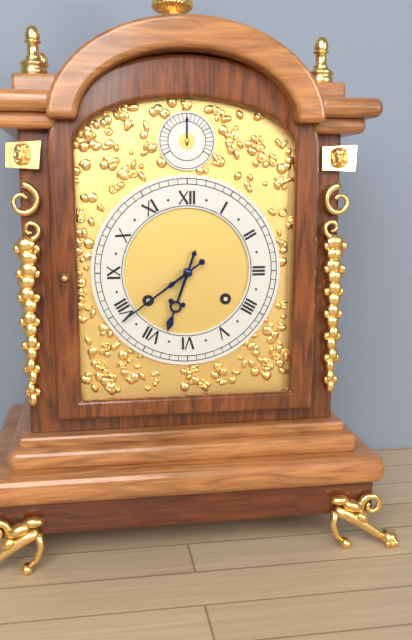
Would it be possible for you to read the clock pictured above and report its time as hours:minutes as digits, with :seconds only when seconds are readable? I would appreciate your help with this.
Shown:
6:39
